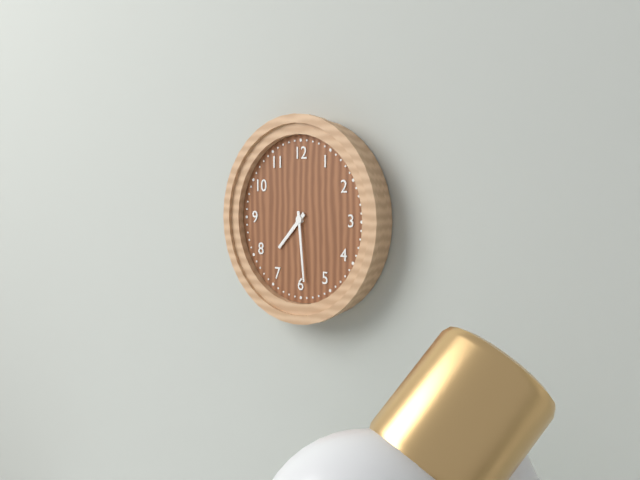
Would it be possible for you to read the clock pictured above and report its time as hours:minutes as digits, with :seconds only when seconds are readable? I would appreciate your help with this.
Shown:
7:29
